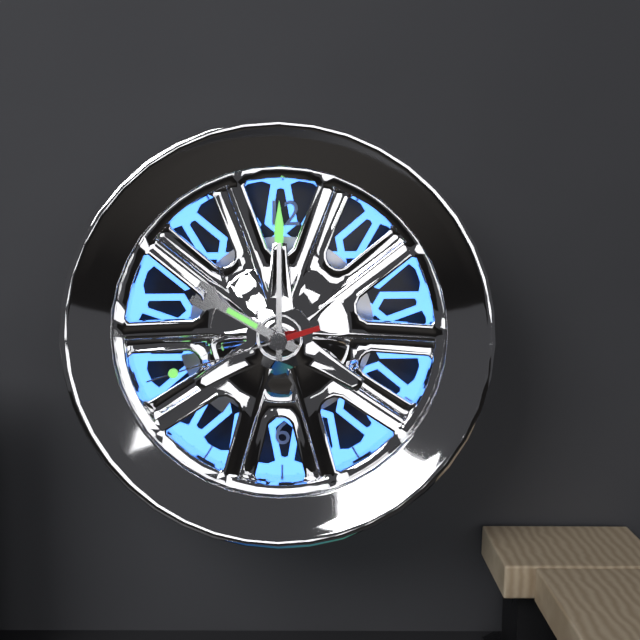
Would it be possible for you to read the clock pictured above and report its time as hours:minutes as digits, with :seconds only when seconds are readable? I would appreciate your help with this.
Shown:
10:00:42
